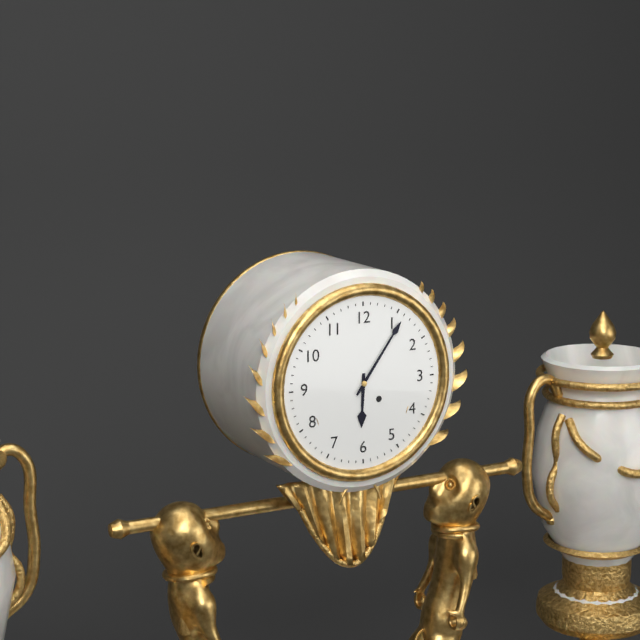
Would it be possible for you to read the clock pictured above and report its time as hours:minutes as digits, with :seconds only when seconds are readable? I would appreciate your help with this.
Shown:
6:06
